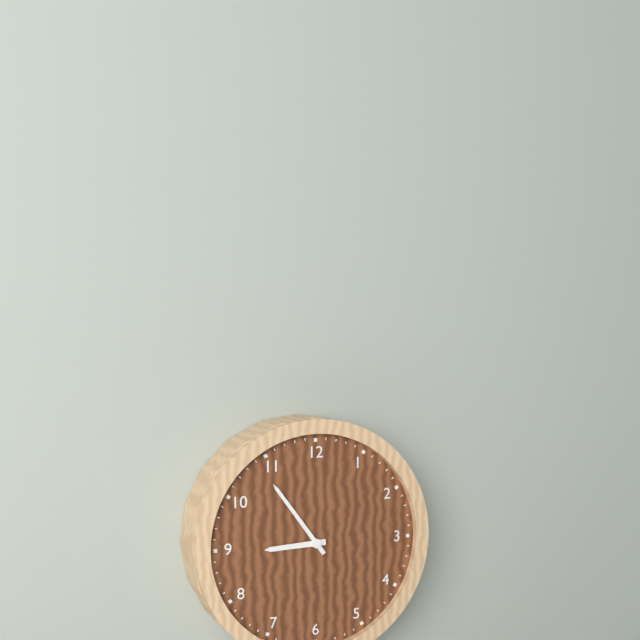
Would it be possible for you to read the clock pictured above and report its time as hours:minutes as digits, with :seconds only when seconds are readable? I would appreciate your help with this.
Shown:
8:54
